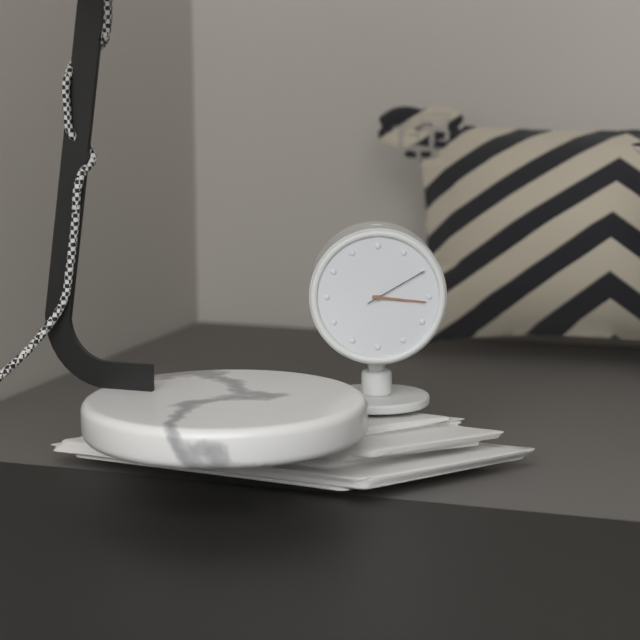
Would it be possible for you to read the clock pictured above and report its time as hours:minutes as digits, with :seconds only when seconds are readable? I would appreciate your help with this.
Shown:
3:16:10
